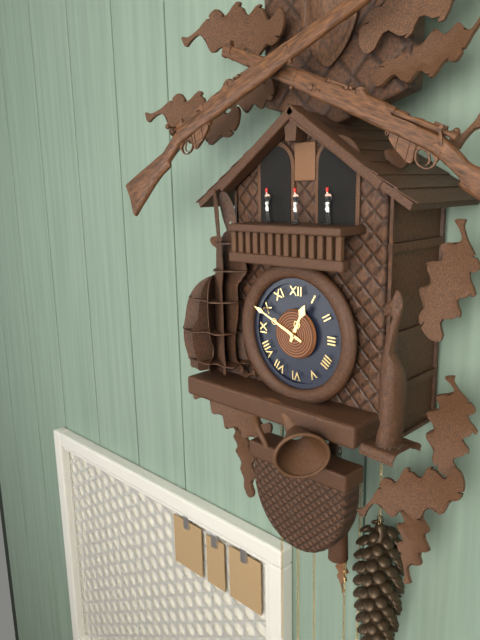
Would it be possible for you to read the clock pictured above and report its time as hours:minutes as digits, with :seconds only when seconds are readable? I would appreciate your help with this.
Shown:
12:49
